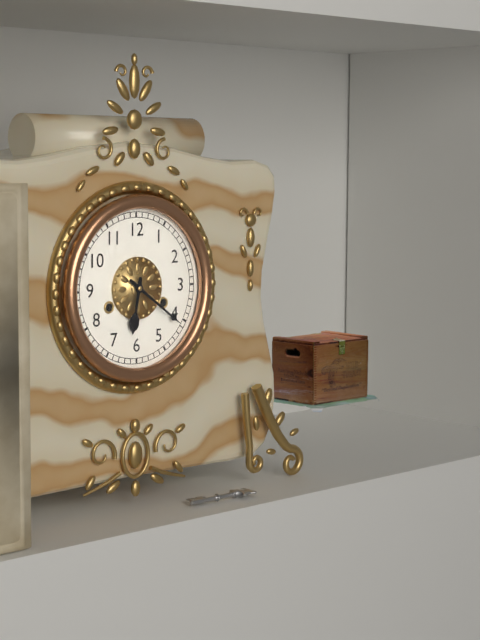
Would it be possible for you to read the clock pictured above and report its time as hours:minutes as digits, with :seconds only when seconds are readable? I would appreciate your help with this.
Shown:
6:21
